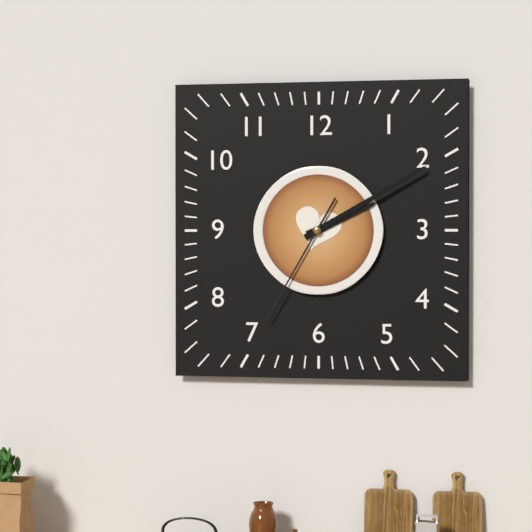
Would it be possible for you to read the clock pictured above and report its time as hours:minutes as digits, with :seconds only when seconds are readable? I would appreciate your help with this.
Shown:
2:10:35
